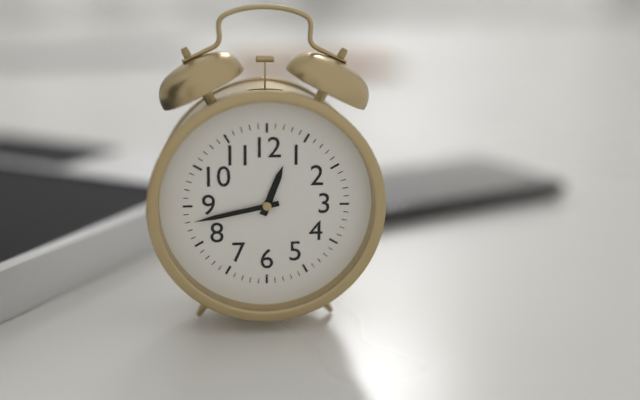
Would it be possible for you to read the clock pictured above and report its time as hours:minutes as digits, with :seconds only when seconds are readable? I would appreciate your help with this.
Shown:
12:43
